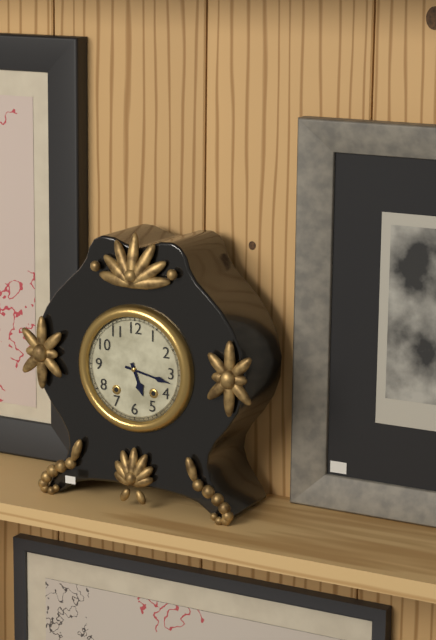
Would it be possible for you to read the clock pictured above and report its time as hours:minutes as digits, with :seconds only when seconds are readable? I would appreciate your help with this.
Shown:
5:17
